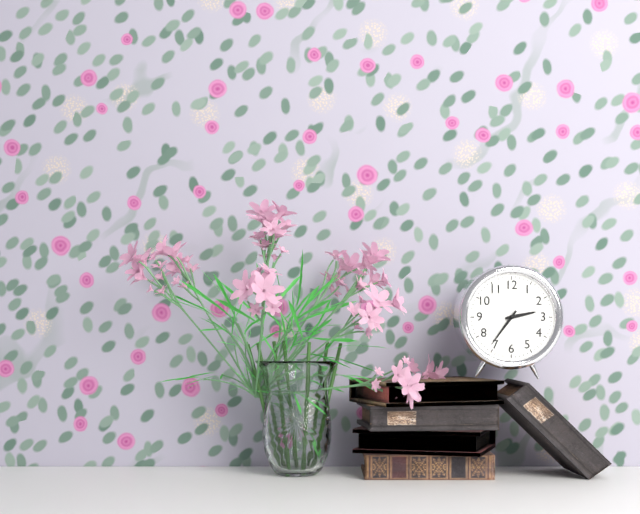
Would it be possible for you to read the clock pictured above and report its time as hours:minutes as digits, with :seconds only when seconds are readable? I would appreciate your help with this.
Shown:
2:36
